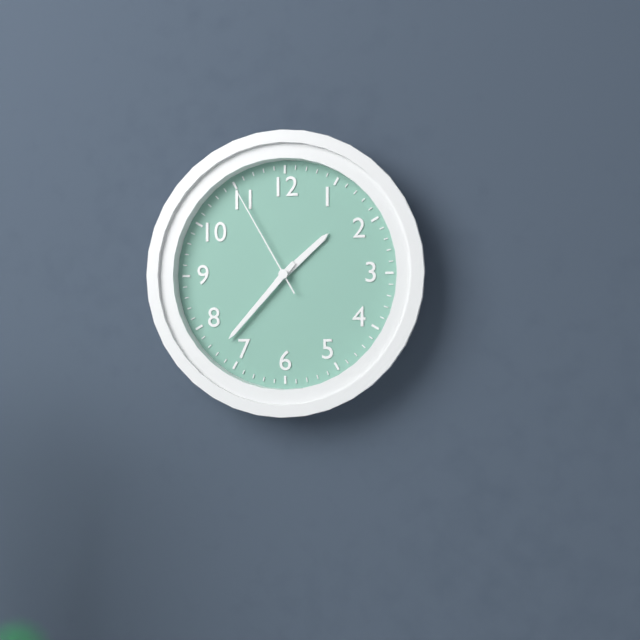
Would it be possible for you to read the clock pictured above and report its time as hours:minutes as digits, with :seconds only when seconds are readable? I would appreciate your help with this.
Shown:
1:37:55
